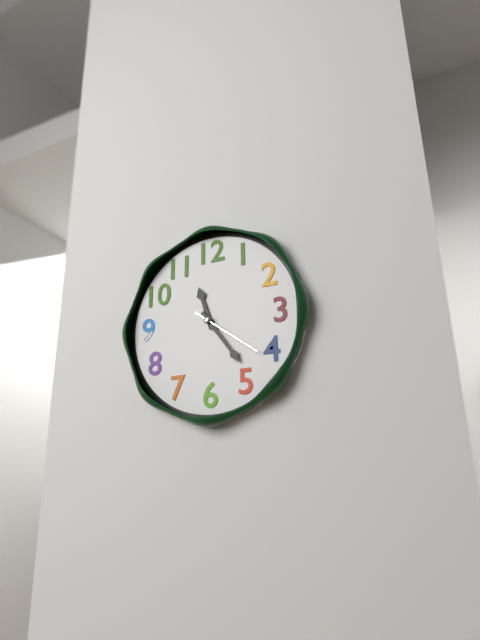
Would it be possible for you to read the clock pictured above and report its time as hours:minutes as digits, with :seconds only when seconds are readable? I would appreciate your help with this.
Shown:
11:24:21
